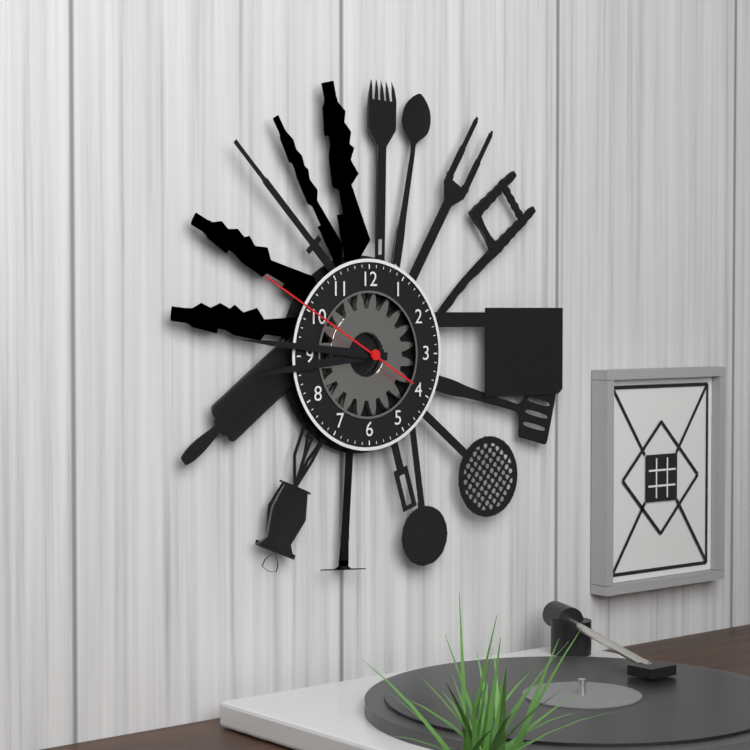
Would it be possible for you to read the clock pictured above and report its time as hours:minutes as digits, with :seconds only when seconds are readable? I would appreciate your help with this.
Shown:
8:46:50
